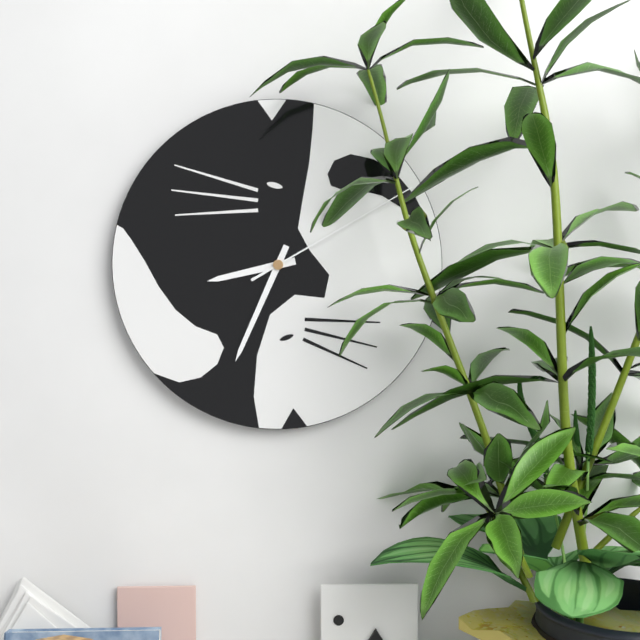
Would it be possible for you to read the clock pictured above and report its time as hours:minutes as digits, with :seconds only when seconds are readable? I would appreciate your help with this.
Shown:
8:34:10
